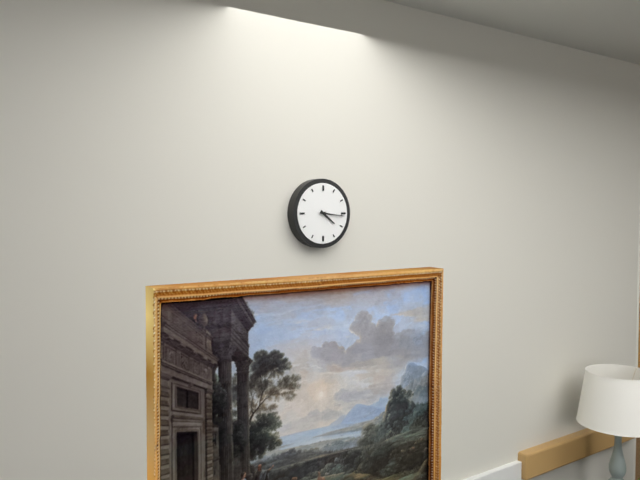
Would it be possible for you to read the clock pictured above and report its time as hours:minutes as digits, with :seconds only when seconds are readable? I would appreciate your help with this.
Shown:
4:16
